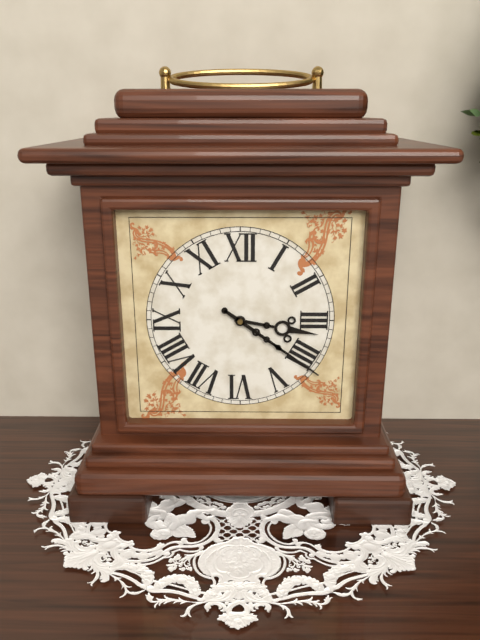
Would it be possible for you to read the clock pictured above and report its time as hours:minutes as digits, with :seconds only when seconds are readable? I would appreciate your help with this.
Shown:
3:21
